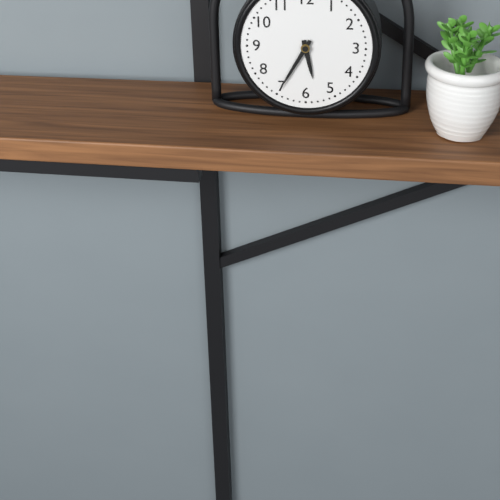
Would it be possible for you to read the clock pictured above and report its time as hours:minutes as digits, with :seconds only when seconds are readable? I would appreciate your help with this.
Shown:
5:35
